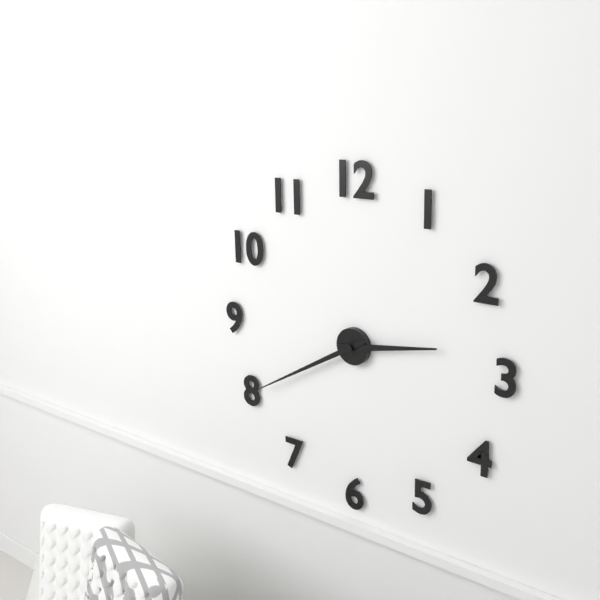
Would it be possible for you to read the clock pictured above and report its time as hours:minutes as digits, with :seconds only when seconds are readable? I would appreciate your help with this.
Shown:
2:40
